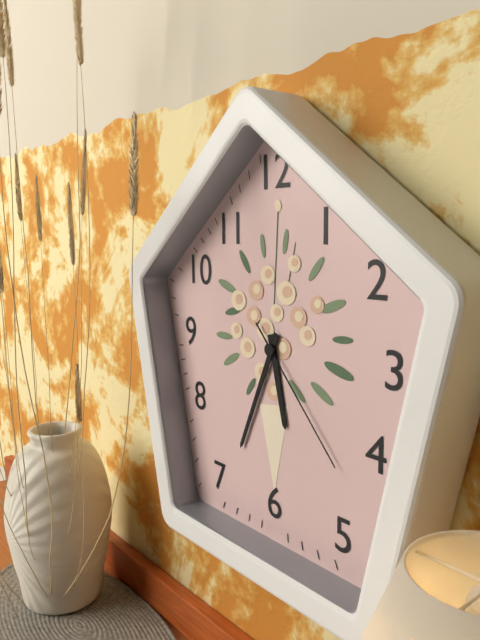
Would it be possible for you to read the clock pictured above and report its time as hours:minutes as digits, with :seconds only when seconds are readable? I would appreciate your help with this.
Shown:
5:34:23
